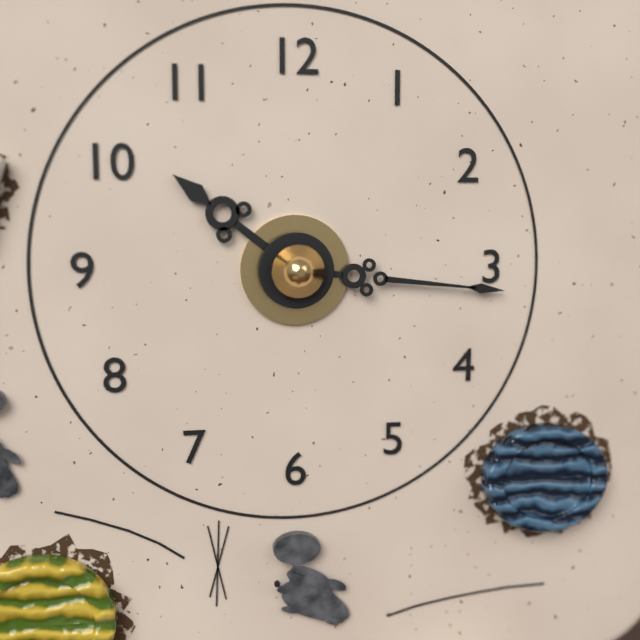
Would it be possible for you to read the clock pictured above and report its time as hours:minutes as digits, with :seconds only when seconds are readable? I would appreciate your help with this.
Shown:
10:16
